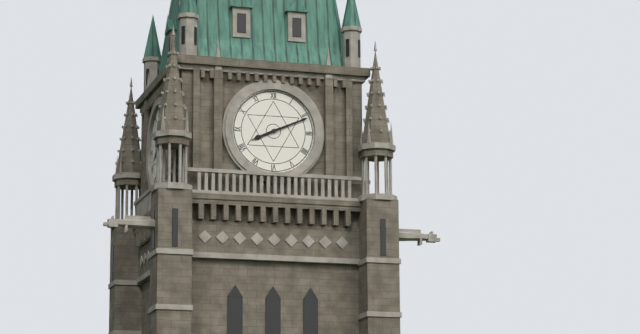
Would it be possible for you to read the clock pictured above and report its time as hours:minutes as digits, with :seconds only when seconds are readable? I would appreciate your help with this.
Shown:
8:11
